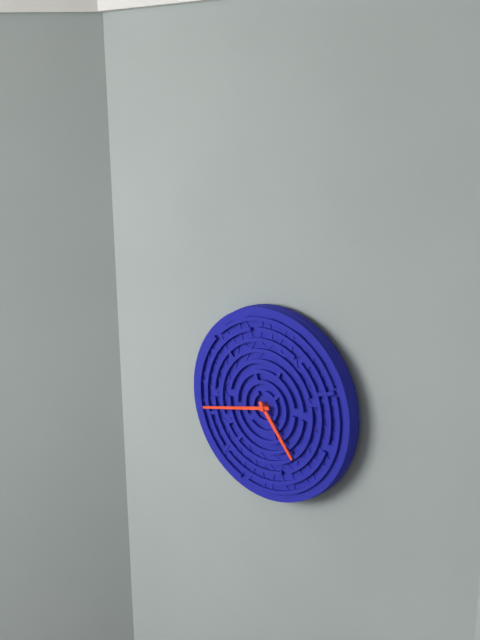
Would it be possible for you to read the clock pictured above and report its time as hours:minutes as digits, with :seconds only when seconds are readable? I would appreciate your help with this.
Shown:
4:43
